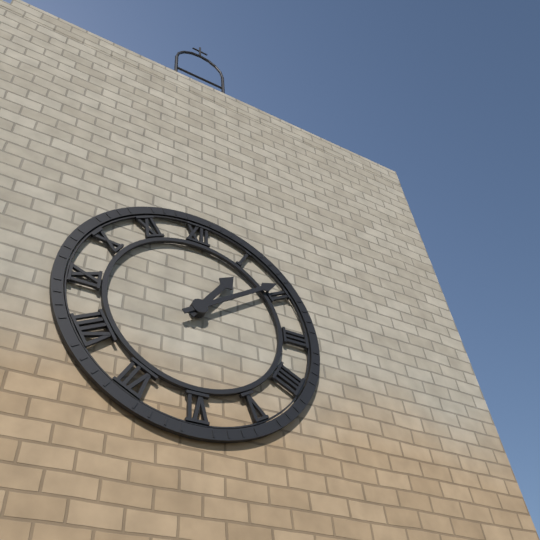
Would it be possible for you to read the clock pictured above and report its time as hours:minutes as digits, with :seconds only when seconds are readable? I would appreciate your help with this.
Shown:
1:09
